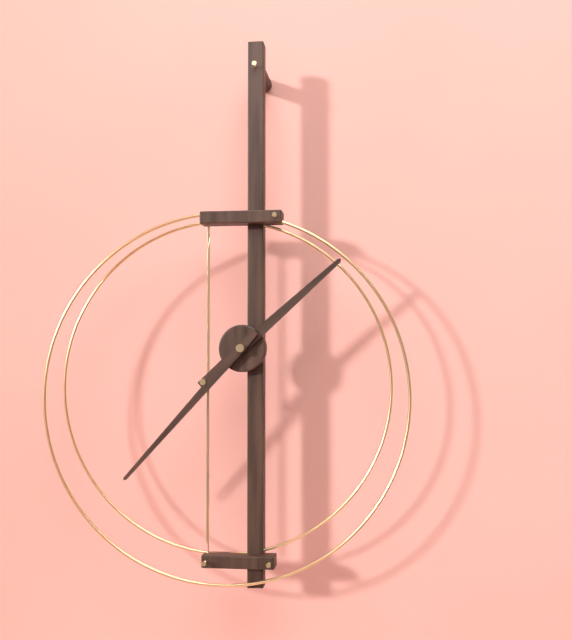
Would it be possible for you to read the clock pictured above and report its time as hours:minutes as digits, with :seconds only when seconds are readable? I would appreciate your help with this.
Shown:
1:37
